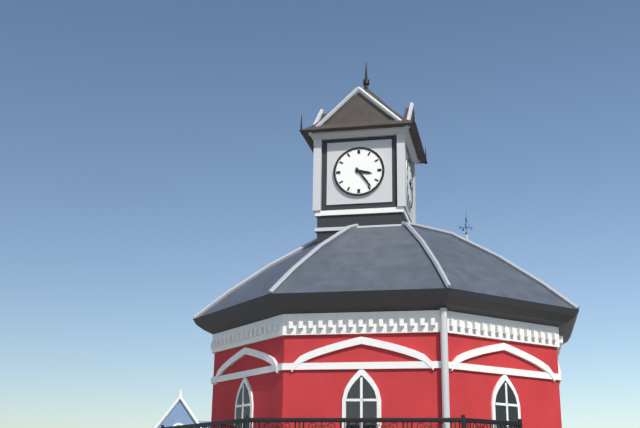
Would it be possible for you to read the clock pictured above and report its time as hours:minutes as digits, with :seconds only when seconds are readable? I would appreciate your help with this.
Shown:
3:24
